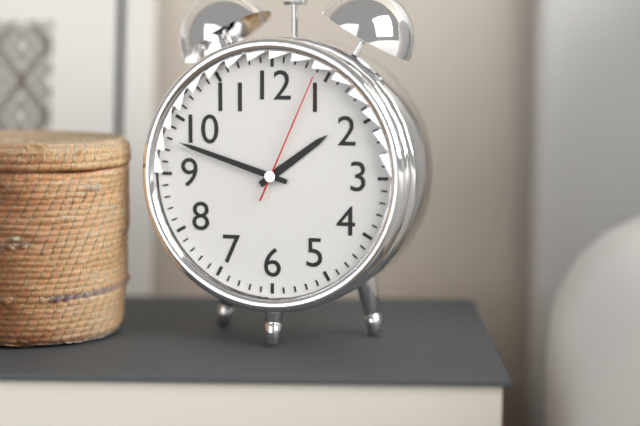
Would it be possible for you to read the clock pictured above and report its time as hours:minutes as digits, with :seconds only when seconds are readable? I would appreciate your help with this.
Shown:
1:48:04
